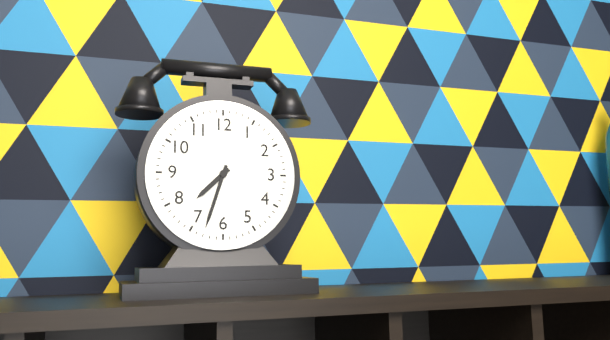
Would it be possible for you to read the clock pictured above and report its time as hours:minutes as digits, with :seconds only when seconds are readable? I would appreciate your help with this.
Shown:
7:33
